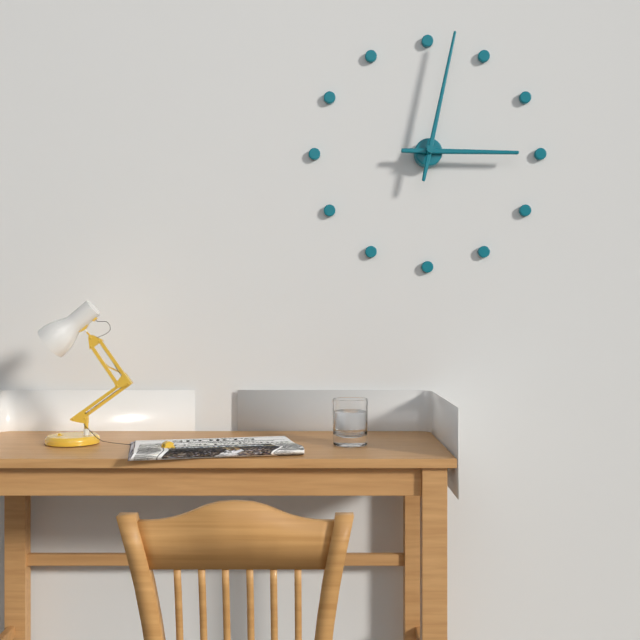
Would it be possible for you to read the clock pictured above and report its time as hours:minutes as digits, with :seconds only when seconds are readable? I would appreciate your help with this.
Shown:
3:02
